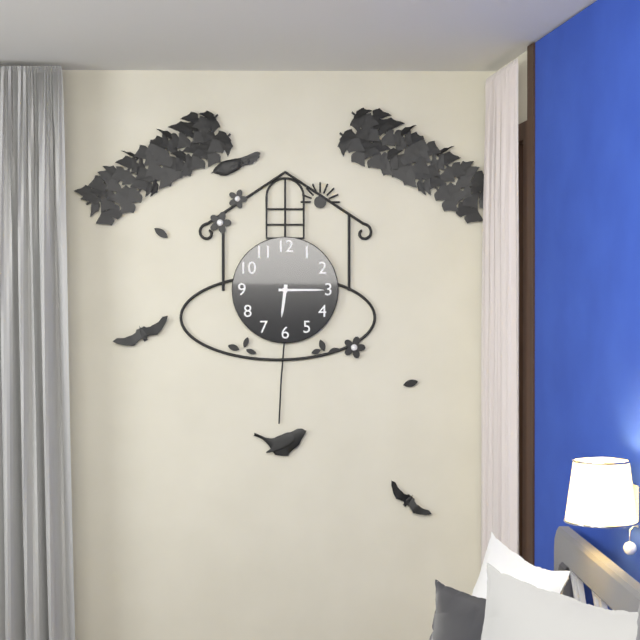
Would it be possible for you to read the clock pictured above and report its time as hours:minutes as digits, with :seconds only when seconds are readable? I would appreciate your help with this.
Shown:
6:15
